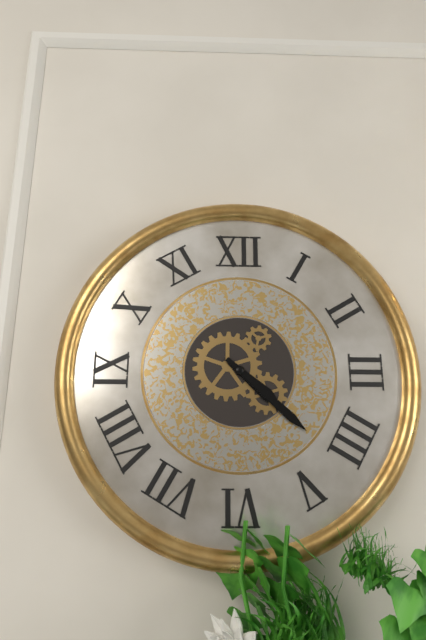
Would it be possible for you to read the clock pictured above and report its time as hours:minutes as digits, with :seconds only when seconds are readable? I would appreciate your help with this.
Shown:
4:22
